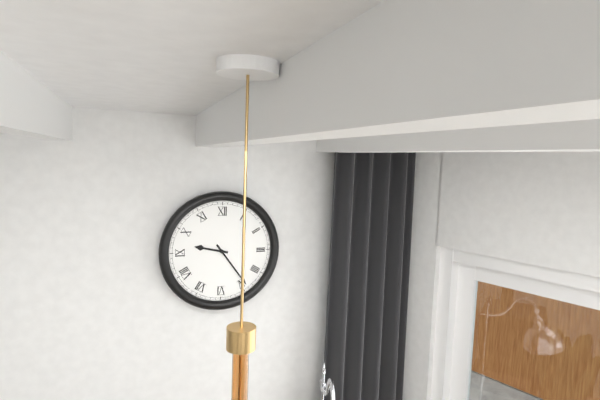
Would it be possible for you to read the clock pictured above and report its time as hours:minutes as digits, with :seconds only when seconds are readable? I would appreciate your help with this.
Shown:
9:24
